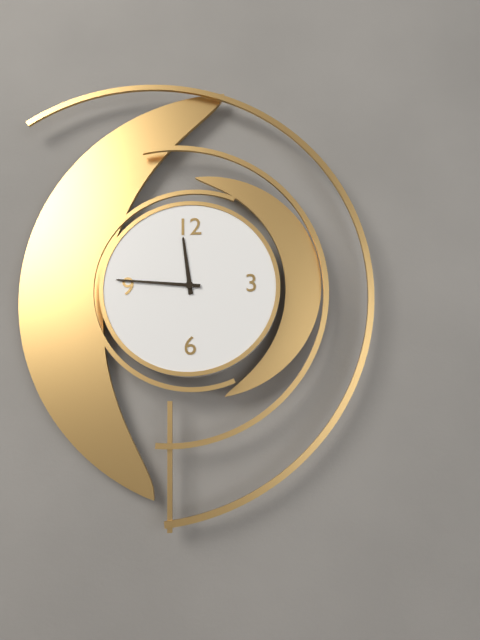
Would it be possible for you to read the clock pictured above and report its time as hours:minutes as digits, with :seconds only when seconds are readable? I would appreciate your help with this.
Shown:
11:46
